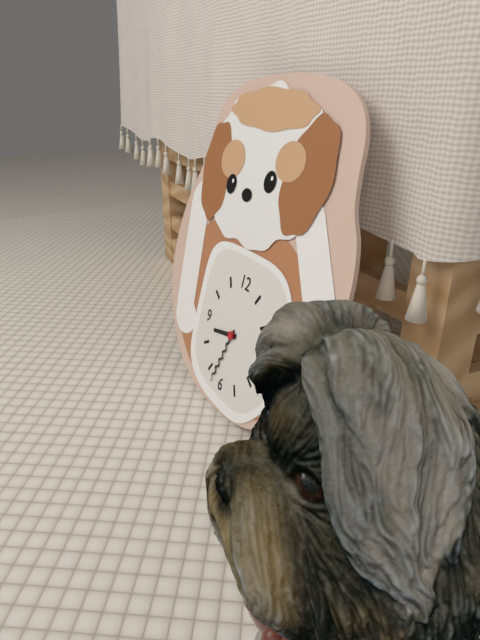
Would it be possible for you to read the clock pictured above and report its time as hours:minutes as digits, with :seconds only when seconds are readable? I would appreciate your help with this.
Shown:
8:33
